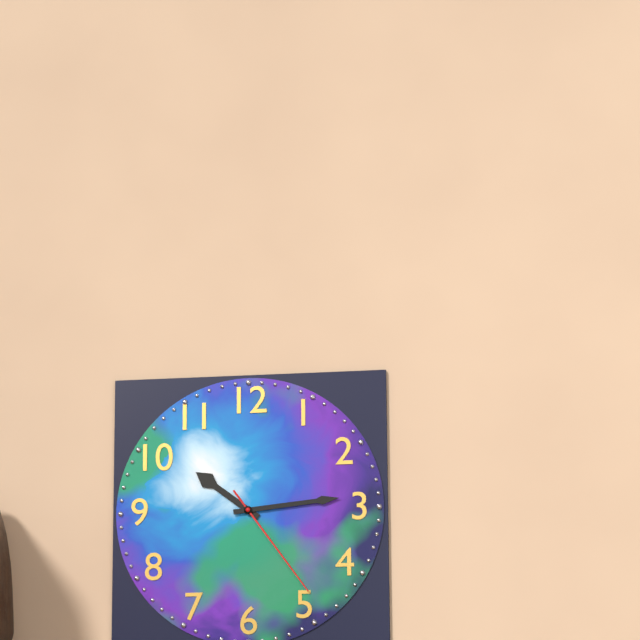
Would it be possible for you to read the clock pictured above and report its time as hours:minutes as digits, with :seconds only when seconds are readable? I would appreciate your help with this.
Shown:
10:14:24
